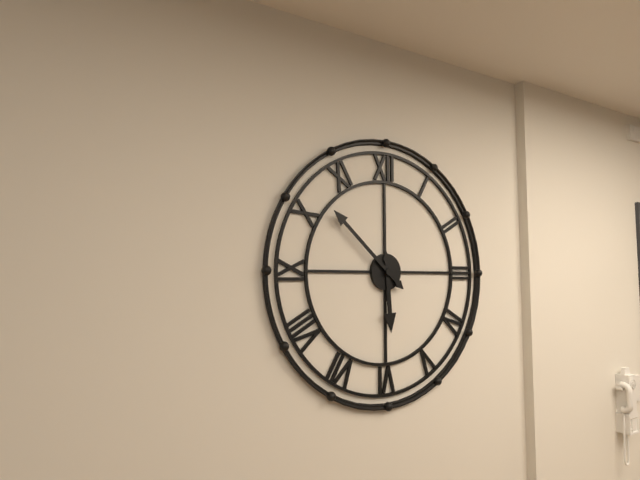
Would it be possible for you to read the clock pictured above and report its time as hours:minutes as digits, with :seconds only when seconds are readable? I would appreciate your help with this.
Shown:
5:52
